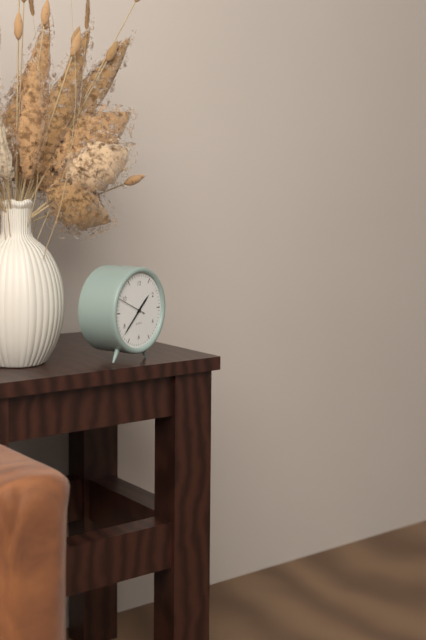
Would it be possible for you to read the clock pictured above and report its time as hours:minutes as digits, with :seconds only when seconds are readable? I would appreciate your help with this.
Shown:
1:38
